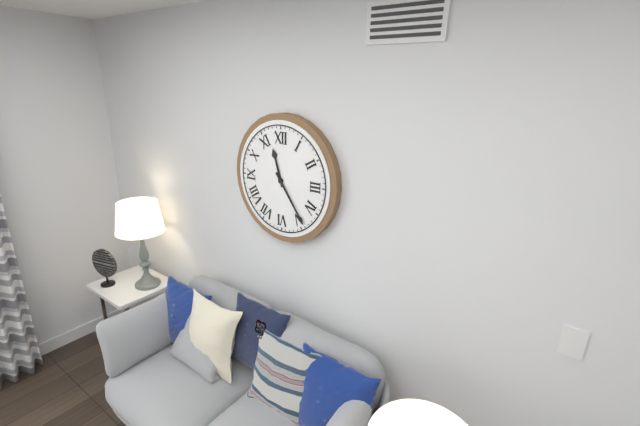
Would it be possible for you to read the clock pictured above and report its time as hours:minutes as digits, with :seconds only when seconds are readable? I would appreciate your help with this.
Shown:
11:24
